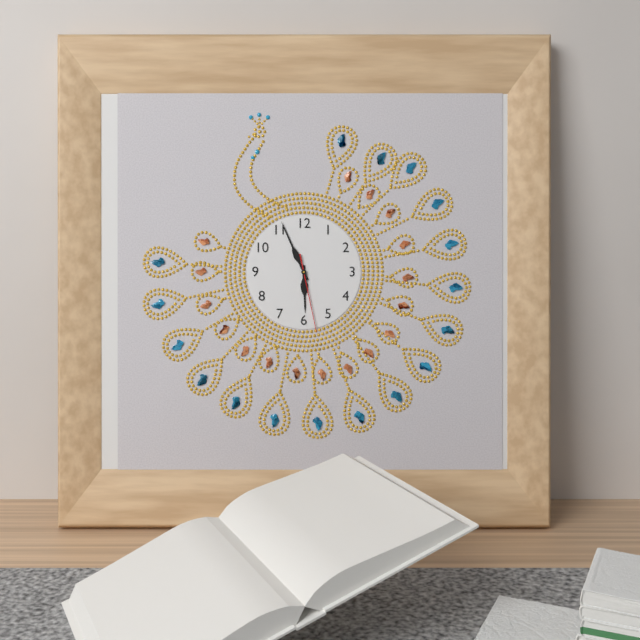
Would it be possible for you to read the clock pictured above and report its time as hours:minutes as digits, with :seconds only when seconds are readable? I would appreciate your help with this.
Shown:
5:56:28
